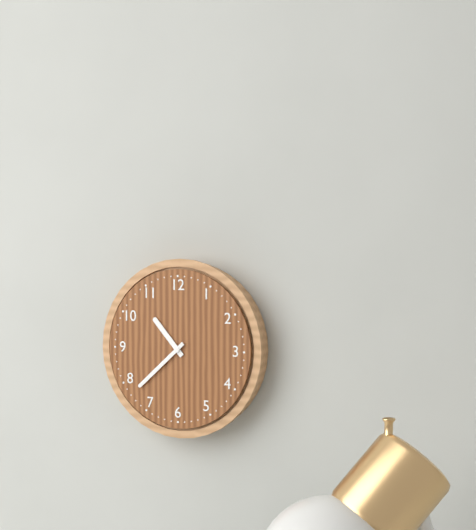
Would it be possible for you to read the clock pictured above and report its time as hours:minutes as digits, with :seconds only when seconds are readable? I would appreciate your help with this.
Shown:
10:38
